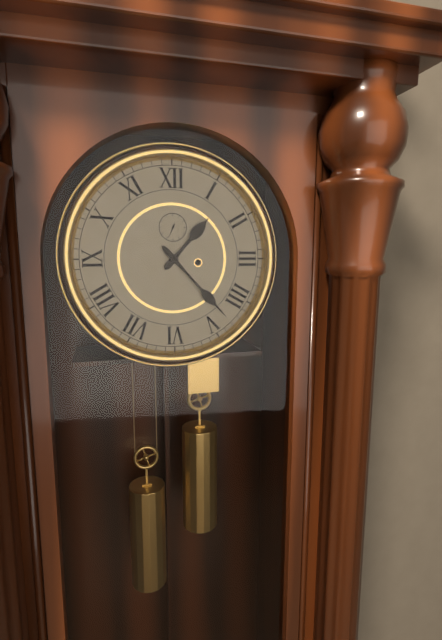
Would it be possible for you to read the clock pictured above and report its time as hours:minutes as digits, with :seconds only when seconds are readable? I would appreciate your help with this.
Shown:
1:23
